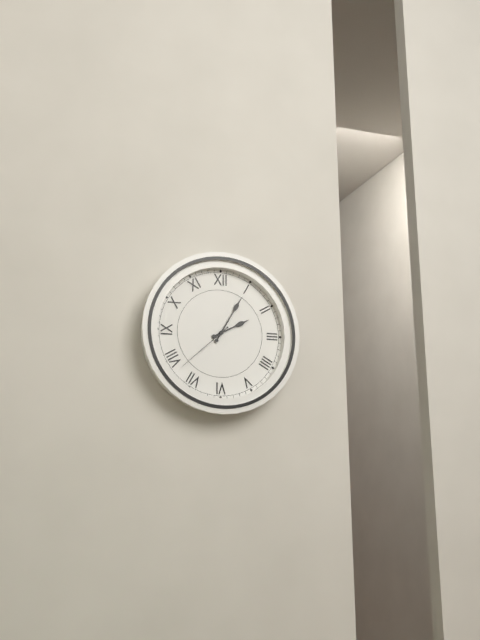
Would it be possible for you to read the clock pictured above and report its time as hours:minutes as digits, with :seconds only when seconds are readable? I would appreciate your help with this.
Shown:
2:05:38
